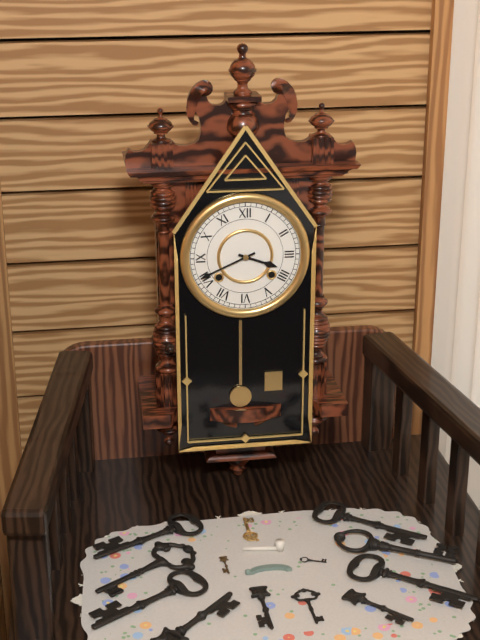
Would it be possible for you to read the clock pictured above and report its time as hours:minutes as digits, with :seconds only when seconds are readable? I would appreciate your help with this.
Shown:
3:41
